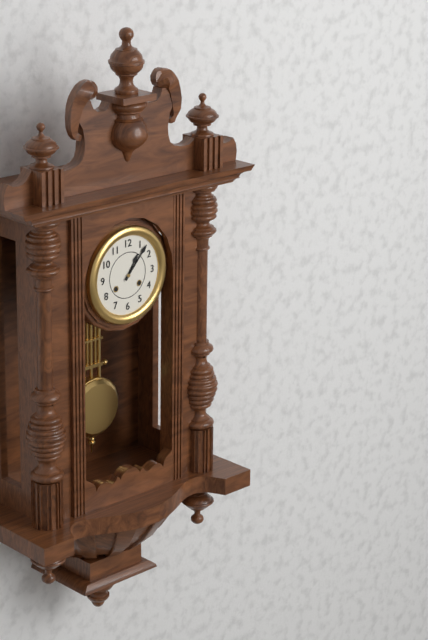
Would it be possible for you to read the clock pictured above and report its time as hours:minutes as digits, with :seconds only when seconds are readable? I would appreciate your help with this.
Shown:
1:07
